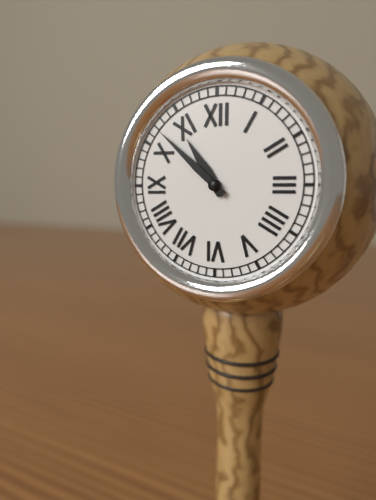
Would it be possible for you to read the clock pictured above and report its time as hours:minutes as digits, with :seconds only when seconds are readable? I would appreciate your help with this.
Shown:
10:52
